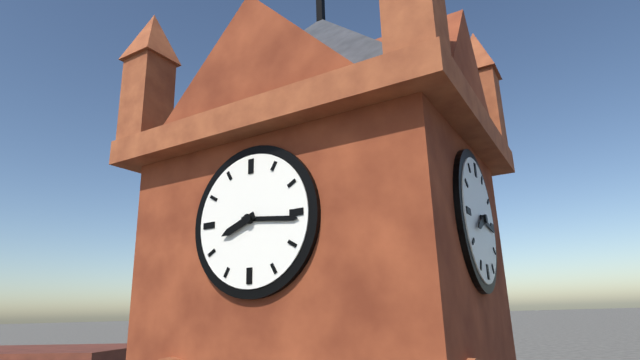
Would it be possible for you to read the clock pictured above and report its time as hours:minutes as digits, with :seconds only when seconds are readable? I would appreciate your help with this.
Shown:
8:16
